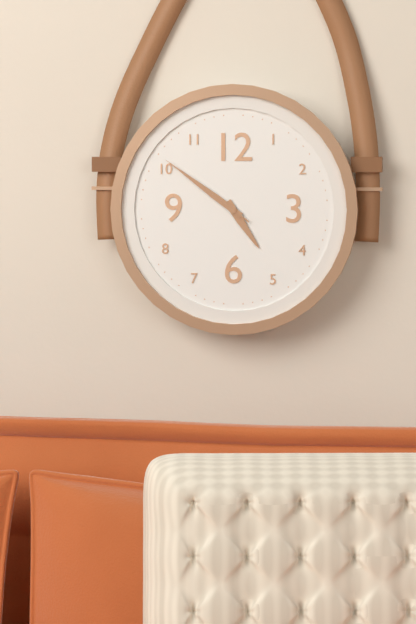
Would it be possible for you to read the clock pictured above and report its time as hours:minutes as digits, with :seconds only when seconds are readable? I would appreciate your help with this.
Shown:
4:51:51
